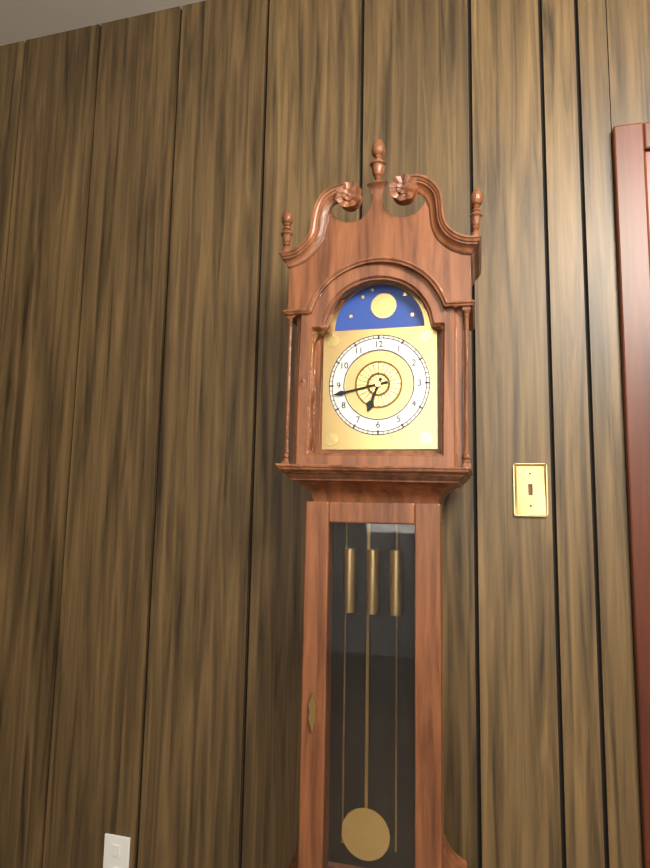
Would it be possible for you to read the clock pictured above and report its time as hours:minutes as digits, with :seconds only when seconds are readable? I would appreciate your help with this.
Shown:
6:43
